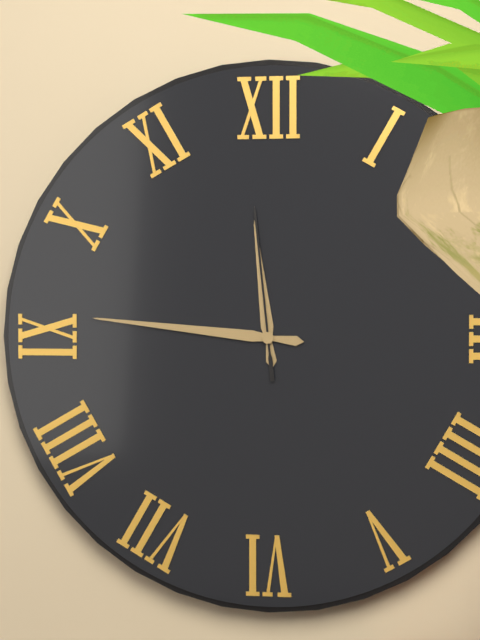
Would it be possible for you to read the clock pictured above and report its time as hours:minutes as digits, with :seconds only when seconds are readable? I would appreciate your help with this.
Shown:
11:46:59
